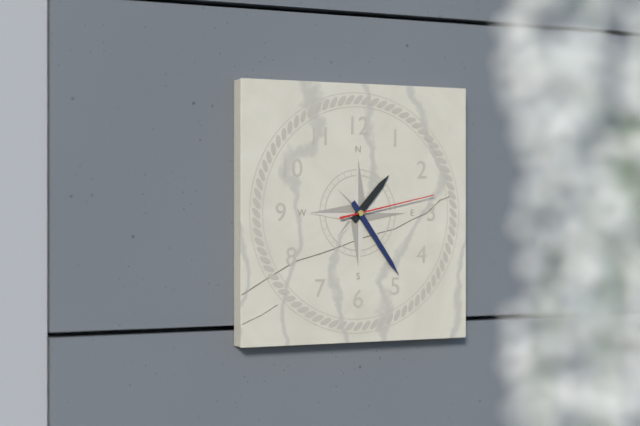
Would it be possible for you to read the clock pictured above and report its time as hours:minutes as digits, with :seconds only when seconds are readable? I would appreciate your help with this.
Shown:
1:24:13
